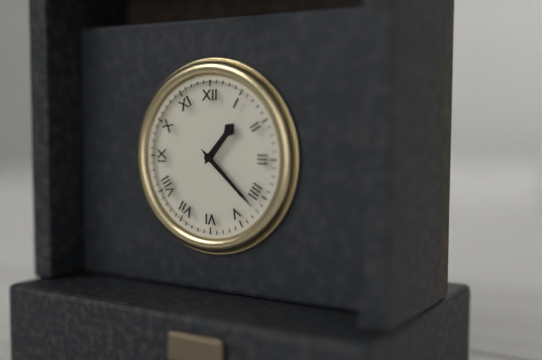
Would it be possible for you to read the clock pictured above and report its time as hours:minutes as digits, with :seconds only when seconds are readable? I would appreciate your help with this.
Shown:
1:22
